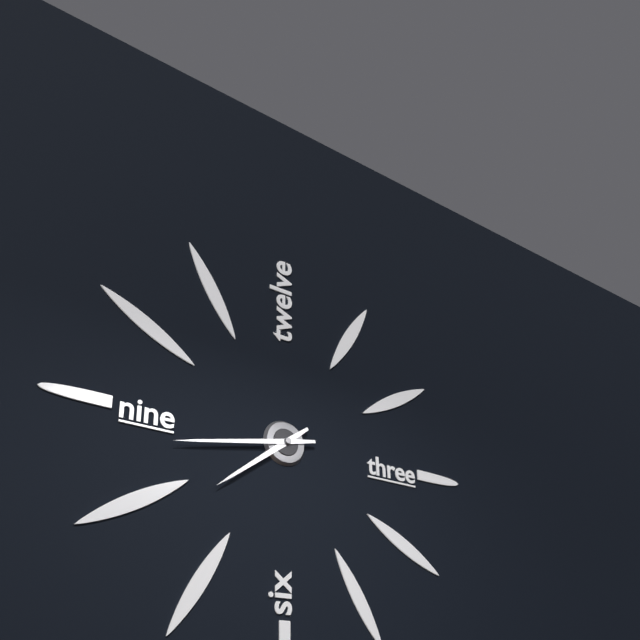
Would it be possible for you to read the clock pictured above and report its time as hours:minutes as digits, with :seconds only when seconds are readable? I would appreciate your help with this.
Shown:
7:43
